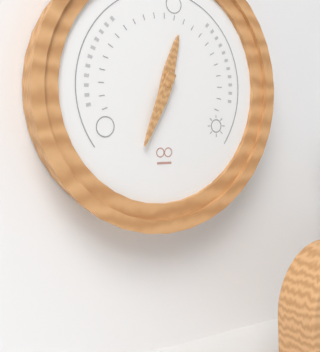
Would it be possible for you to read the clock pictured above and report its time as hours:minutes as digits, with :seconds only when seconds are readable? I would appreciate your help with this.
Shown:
12:34
